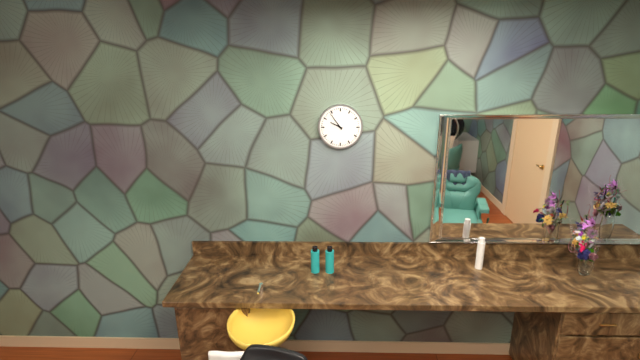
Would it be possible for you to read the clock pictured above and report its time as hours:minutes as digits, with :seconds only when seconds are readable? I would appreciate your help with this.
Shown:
9:54
